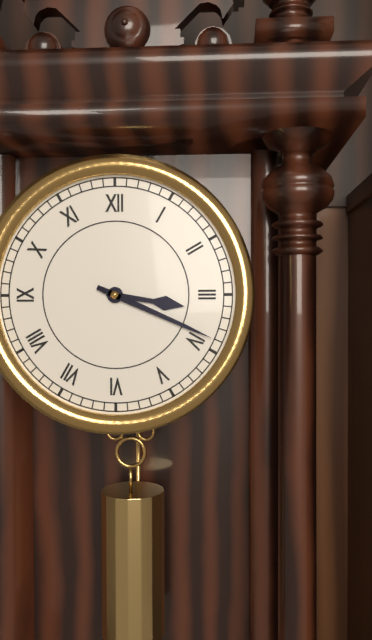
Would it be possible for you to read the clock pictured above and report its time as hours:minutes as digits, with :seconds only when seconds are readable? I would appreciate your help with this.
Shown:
3:19
